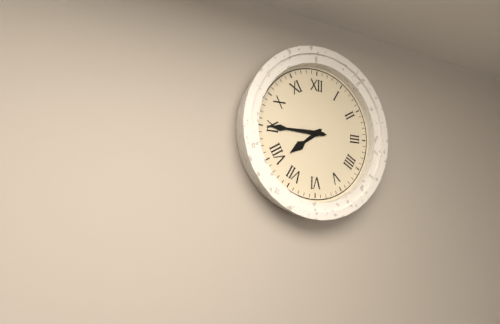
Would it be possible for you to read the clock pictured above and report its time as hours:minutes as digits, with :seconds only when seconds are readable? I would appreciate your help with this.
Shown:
7:45
